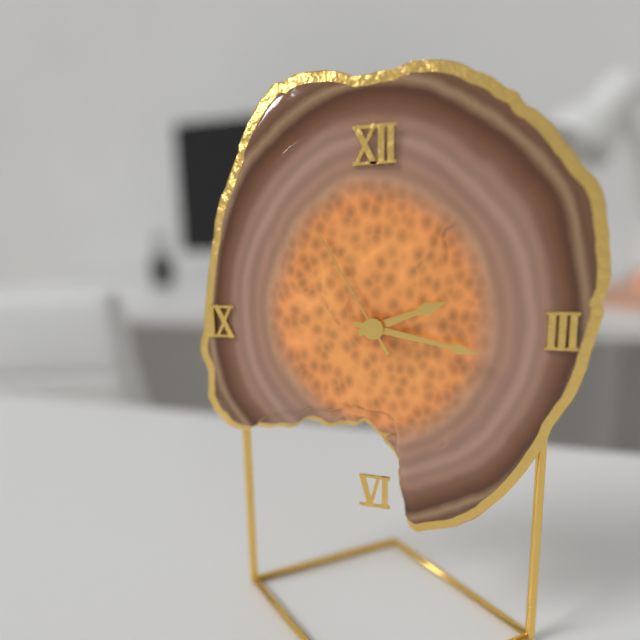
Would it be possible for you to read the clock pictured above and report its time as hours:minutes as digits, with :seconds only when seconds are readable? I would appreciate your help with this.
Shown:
2:17:55
